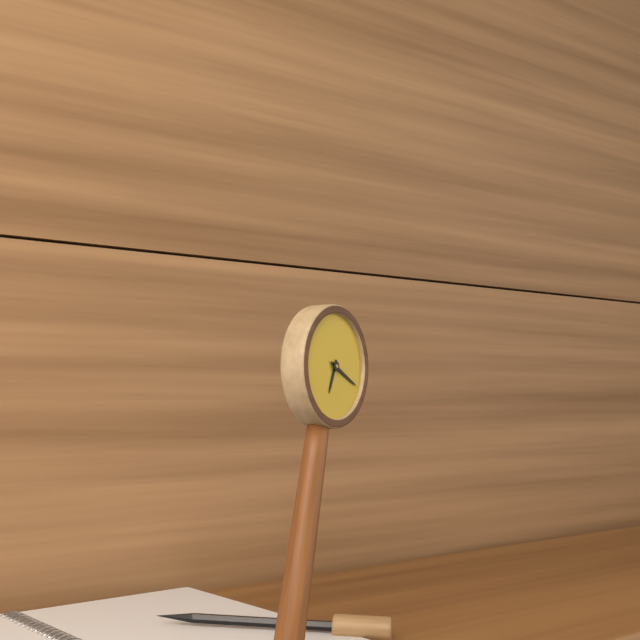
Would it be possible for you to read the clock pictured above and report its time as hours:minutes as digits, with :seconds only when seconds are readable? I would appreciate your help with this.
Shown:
6:17
